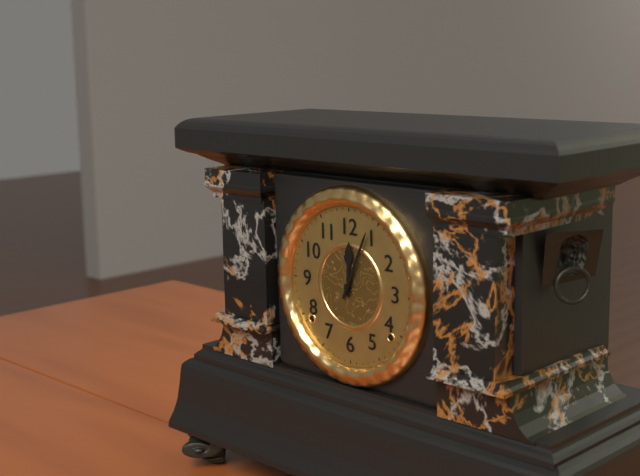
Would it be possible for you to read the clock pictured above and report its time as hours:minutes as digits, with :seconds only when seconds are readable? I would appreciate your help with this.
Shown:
12:04
